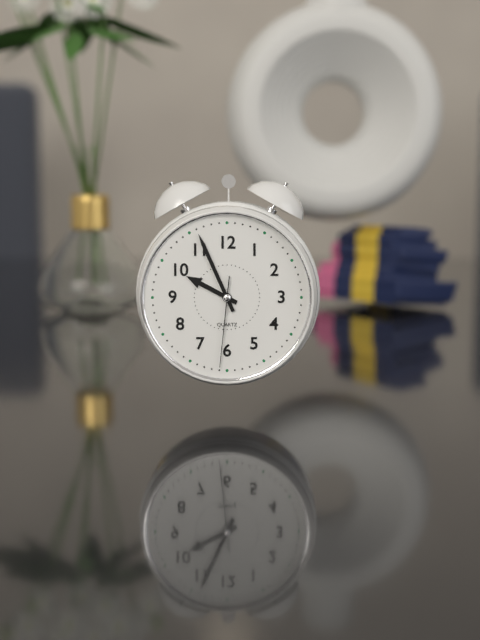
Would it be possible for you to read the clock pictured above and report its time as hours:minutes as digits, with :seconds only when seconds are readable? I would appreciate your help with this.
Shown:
9:56:31
